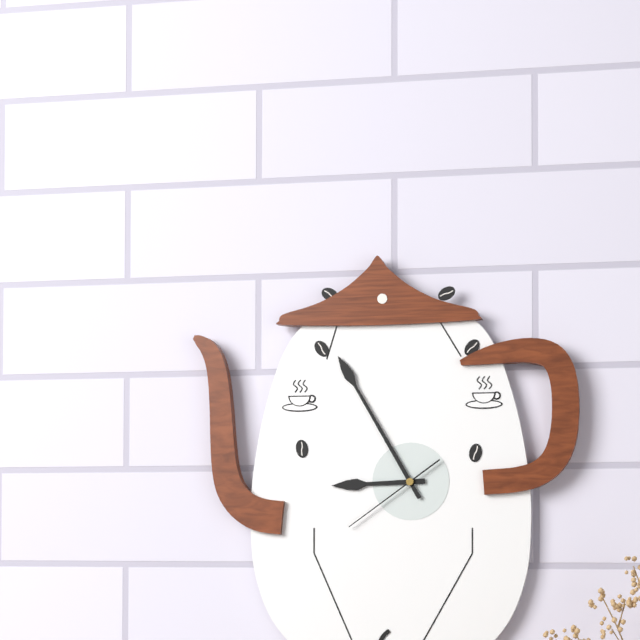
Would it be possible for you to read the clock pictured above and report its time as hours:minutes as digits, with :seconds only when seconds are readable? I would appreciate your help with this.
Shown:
8:55:39
